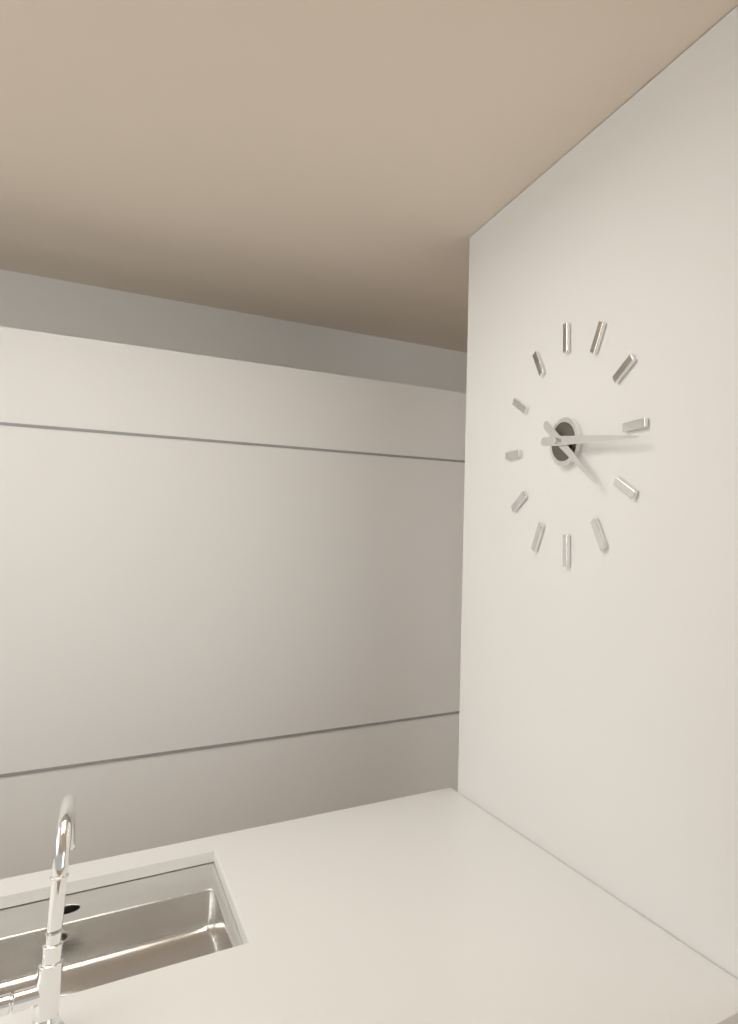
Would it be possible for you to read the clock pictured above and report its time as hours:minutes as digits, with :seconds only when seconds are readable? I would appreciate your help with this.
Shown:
4:16
